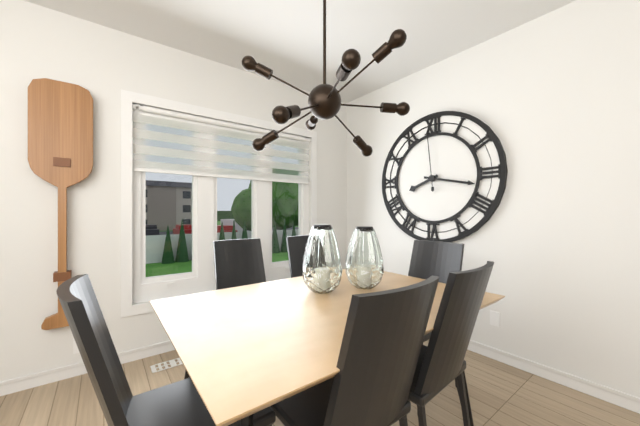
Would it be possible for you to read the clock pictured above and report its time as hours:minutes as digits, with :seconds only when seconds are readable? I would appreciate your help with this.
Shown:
8:17:59
